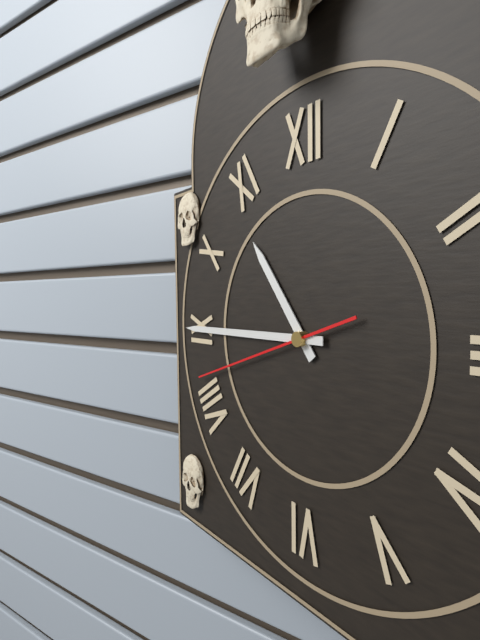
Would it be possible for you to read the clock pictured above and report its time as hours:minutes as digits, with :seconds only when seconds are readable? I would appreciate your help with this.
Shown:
10:45:42
